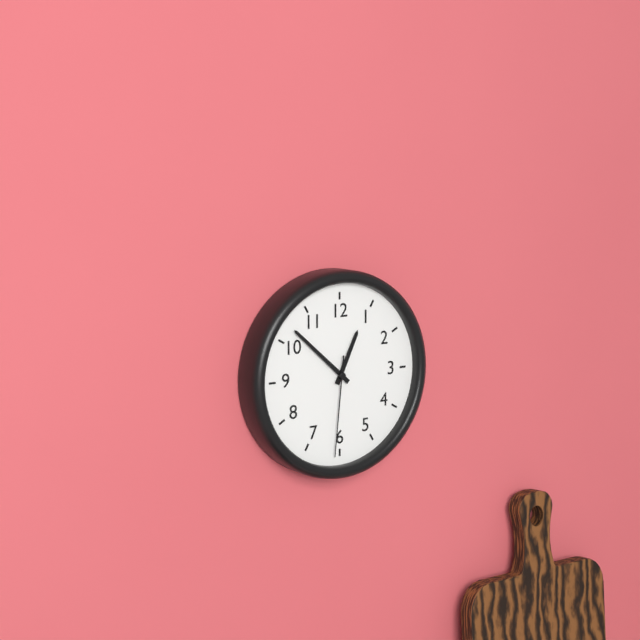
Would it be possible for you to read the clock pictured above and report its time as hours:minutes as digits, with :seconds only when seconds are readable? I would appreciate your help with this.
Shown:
12:52:31
